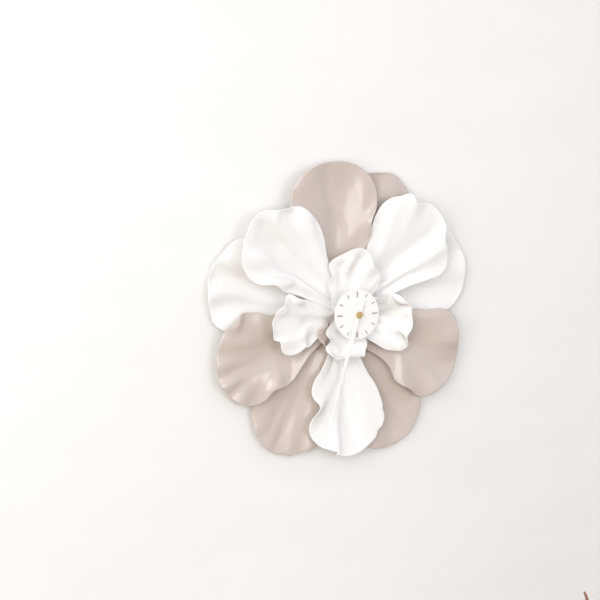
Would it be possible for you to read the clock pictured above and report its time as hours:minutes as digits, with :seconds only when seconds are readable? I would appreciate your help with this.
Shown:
6:33
